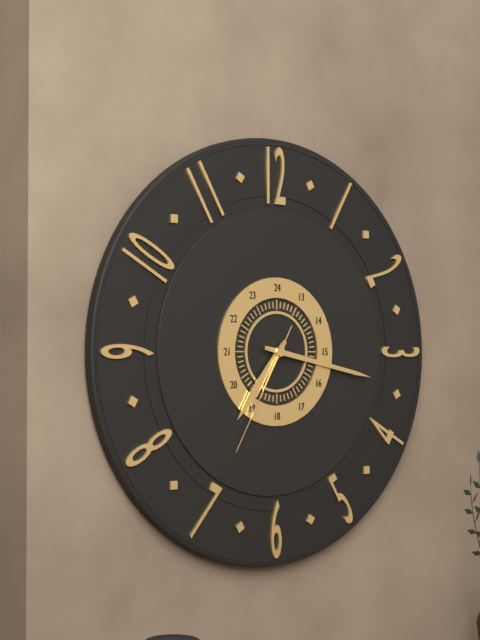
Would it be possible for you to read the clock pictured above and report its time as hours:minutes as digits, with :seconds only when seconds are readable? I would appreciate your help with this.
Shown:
7:17:35
